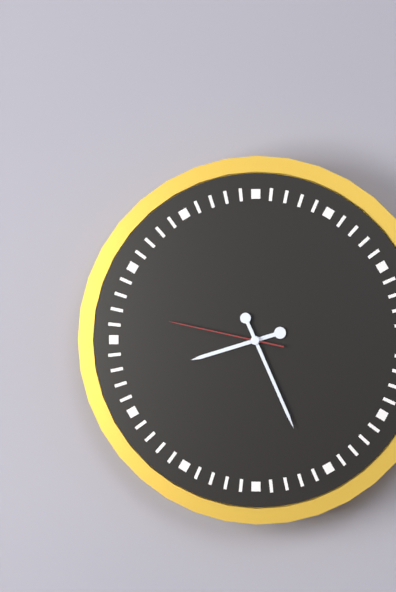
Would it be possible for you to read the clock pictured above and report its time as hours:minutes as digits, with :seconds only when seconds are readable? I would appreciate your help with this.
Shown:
8:26:47
